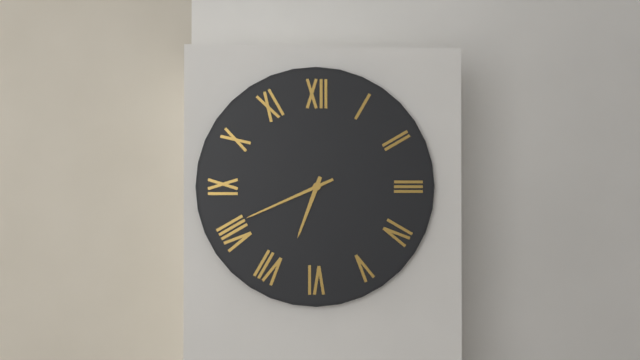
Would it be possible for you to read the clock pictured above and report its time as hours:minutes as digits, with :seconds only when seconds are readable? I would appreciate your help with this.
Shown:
6:41
